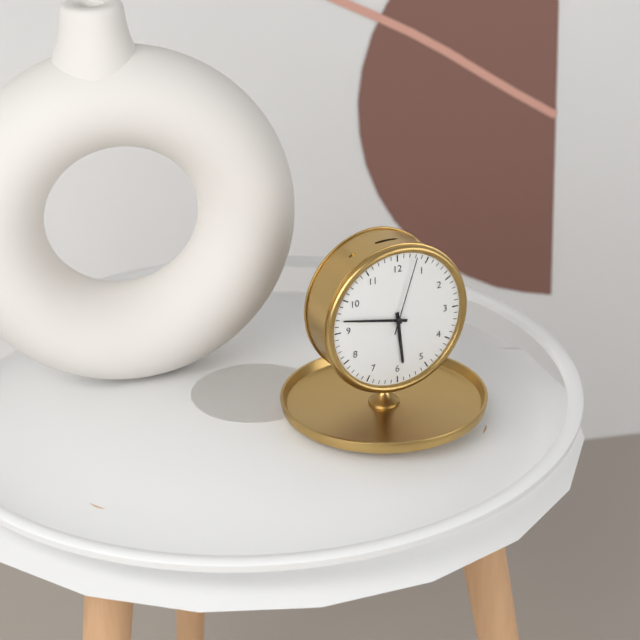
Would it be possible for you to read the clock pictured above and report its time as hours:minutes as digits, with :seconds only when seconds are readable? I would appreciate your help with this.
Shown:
5:47:03
